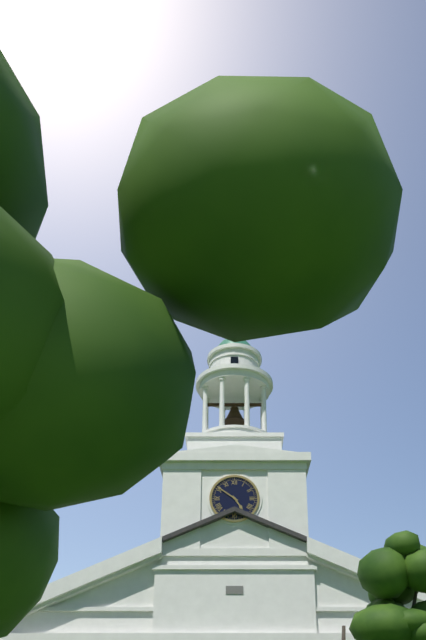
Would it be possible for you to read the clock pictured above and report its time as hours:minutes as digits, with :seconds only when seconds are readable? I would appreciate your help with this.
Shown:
4:51
